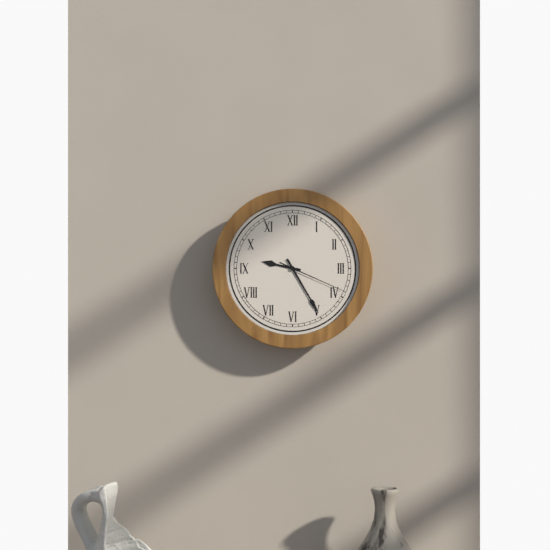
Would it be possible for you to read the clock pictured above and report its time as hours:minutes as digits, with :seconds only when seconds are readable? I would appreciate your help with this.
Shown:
9:25:19
